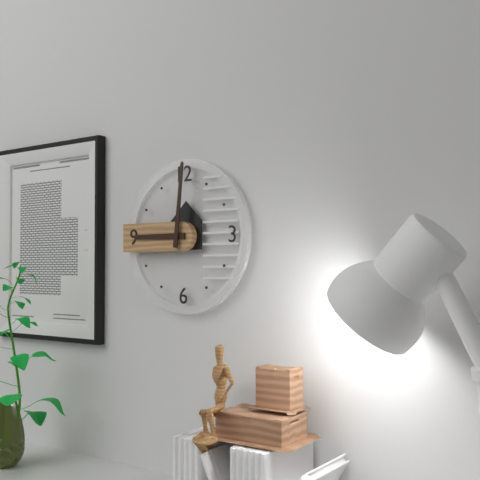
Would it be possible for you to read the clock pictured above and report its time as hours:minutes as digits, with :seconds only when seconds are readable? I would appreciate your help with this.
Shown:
9:01
